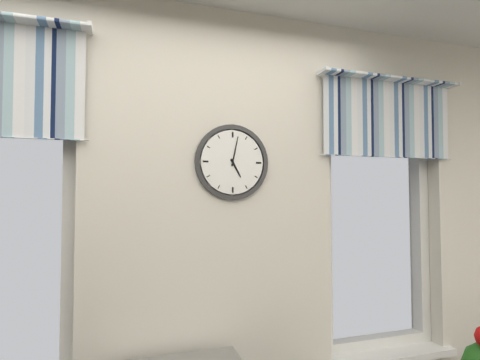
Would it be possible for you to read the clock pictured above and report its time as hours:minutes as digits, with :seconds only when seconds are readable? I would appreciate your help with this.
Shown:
5:02
